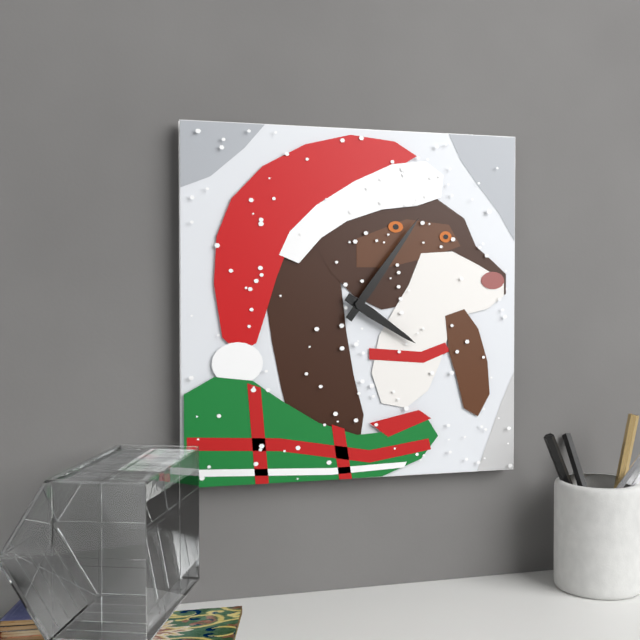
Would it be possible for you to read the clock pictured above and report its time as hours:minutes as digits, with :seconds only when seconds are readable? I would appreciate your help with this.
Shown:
4:06
